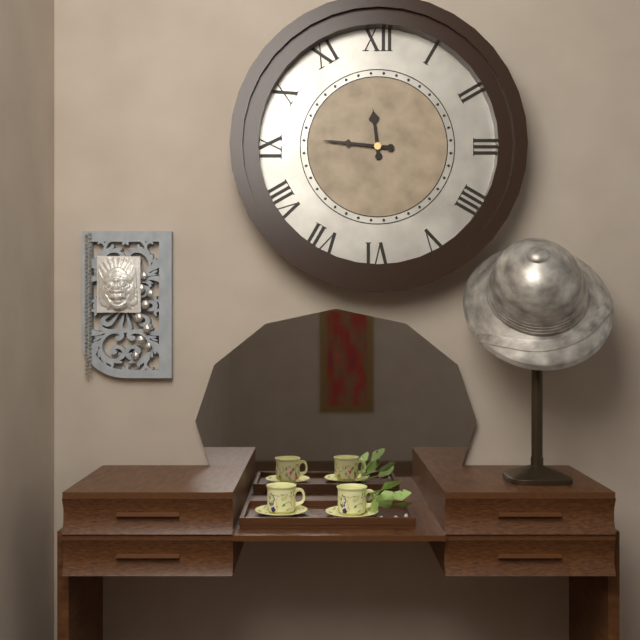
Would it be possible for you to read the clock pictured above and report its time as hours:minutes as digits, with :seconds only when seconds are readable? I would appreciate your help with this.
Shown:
11:46
